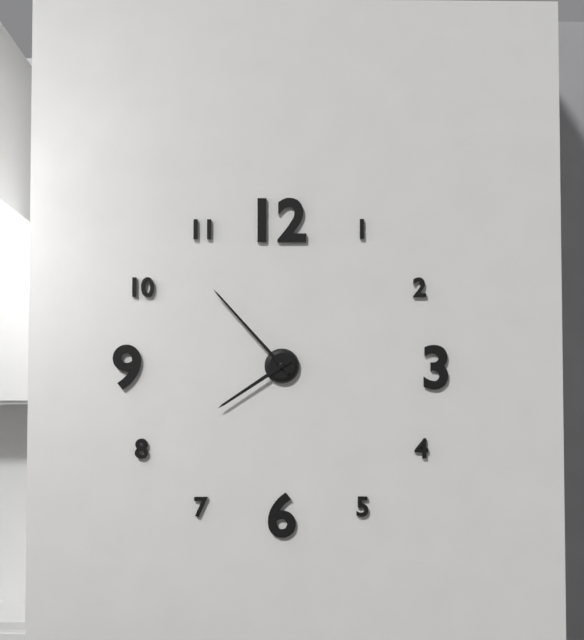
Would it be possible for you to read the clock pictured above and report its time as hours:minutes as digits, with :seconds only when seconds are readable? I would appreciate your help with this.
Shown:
7:53
